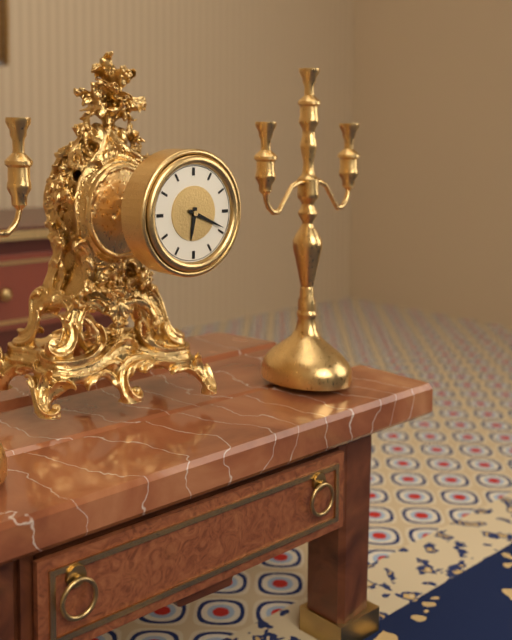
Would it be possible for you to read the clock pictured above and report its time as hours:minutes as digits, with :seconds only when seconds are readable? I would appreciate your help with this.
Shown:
6:19
